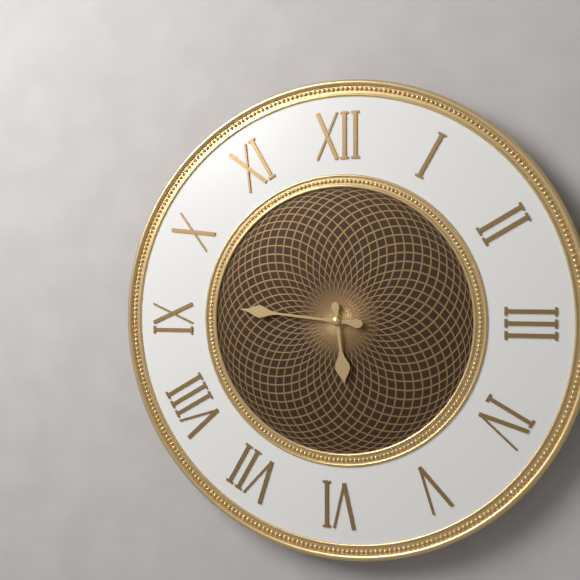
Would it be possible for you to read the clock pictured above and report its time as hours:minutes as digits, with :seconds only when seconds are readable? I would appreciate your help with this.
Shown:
5:46
